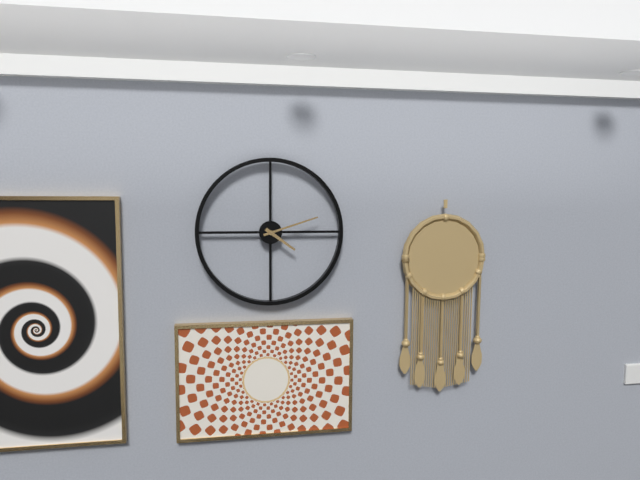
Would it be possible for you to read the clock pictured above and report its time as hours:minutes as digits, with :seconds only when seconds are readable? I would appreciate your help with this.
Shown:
4:12
